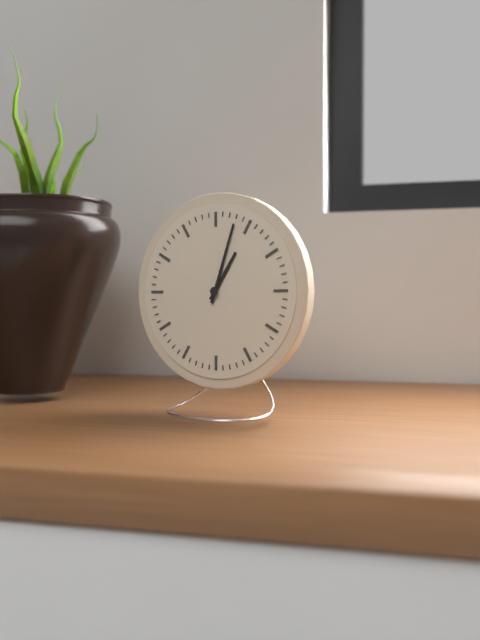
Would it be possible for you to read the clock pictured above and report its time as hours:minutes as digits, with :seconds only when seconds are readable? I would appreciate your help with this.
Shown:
1:03
